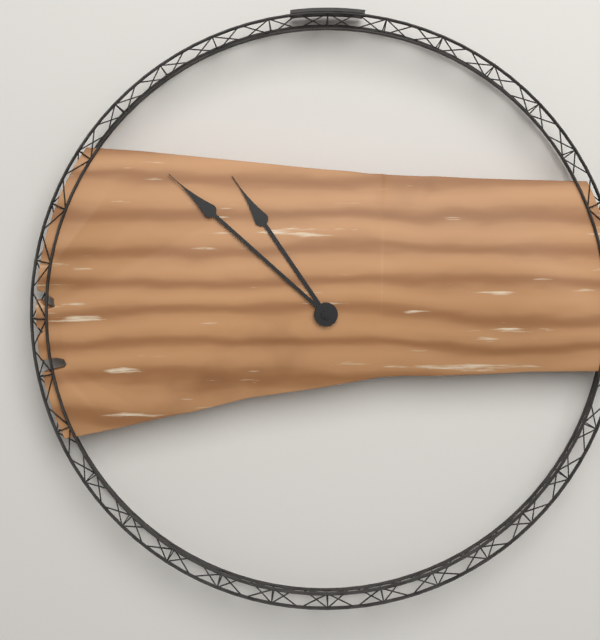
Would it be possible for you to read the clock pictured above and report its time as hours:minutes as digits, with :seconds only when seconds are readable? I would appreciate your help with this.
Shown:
10:52
